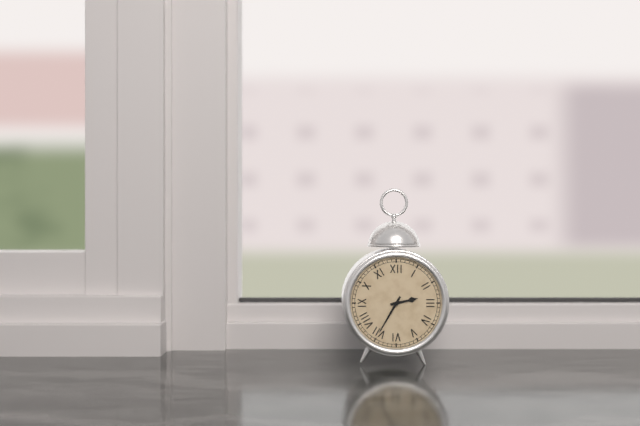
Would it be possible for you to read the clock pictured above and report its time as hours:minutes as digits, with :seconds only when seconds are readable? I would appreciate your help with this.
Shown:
2:35
